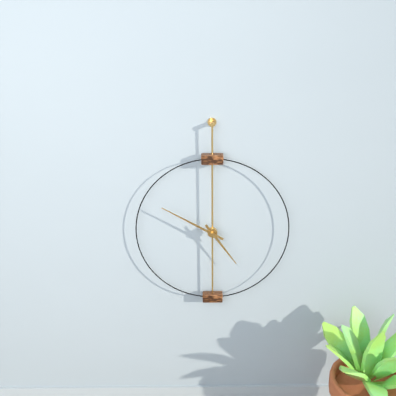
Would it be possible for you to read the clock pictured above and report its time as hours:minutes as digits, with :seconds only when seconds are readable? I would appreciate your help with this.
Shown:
4:50
